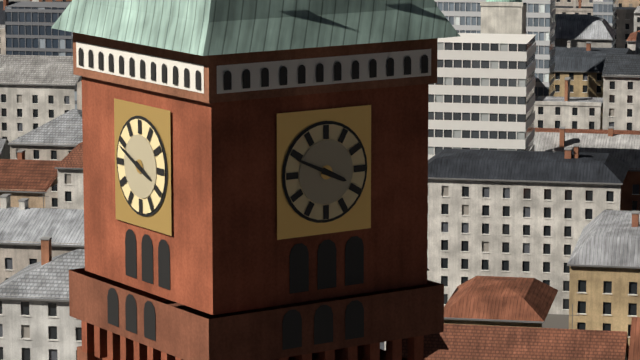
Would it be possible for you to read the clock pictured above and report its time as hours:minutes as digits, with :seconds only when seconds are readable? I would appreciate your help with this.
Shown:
3:49
